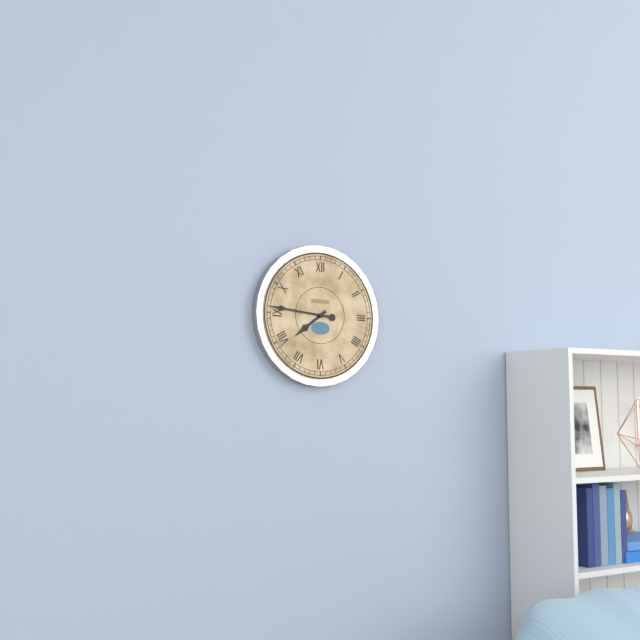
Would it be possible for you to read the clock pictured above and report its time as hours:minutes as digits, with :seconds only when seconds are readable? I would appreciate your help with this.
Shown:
7:46
